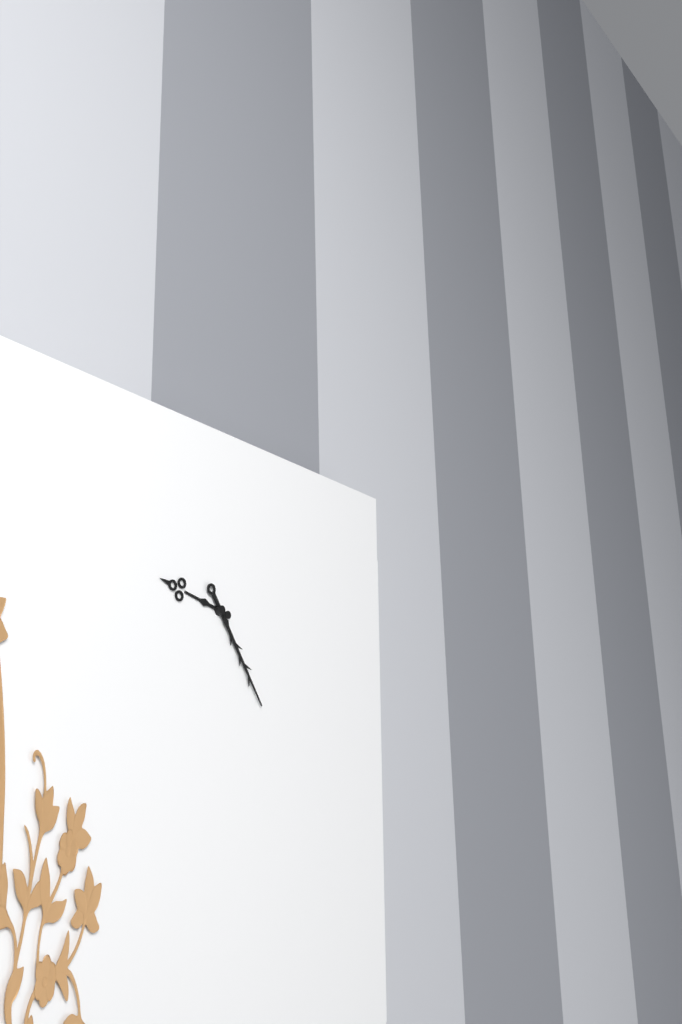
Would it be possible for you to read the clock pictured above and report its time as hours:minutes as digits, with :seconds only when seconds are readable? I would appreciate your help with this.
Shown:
9:24
